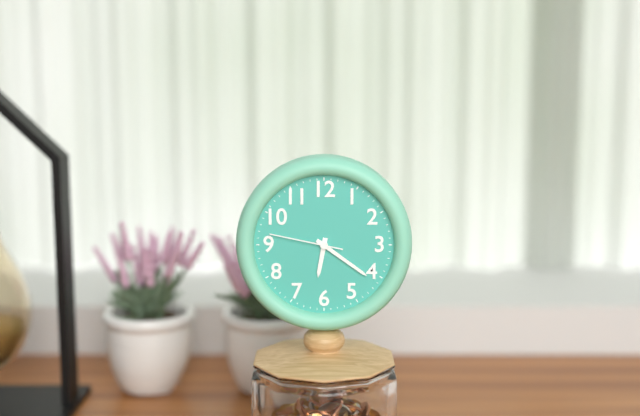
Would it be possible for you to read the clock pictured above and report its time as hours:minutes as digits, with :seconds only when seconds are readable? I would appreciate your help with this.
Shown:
6:21:47
